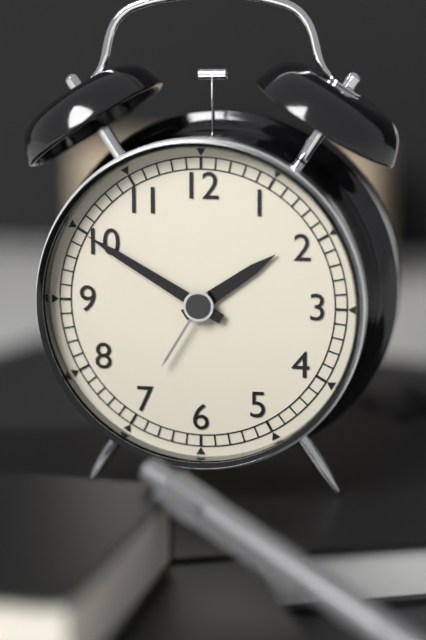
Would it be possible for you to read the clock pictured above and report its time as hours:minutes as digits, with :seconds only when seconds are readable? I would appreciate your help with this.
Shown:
1:50
